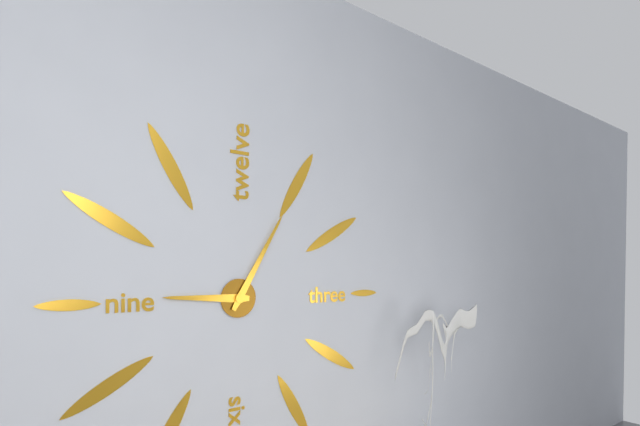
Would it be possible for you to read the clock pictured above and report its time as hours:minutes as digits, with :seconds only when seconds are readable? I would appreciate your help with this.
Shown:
9:05
